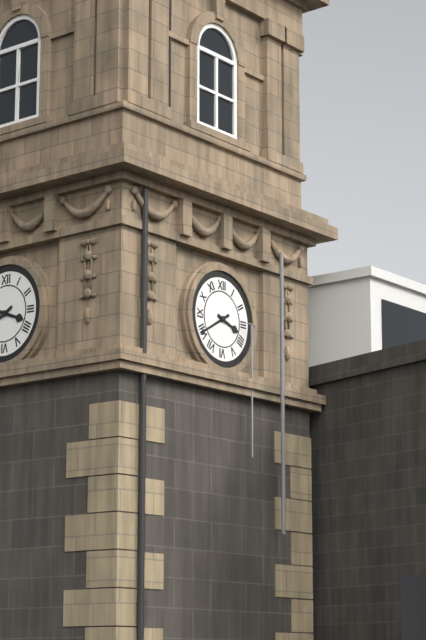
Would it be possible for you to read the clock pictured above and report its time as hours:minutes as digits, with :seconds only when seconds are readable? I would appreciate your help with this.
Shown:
3:40
